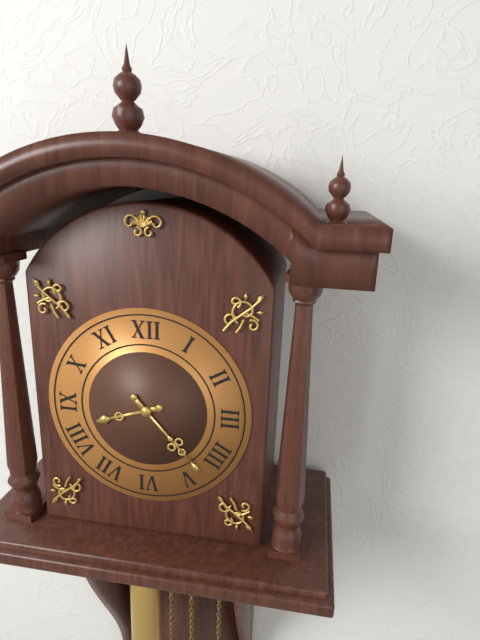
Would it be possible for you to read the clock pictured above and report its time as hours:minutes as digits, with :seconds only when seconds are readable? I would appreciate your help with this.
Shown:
8:23
